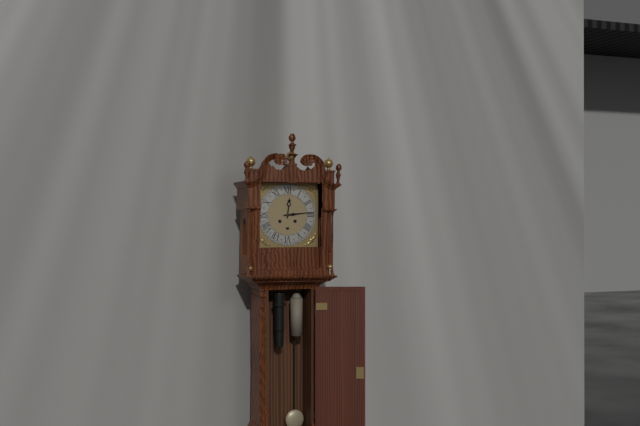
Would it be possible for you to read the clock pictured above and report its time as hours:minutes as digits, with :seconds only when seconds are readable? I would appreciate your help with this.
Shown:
12:14
